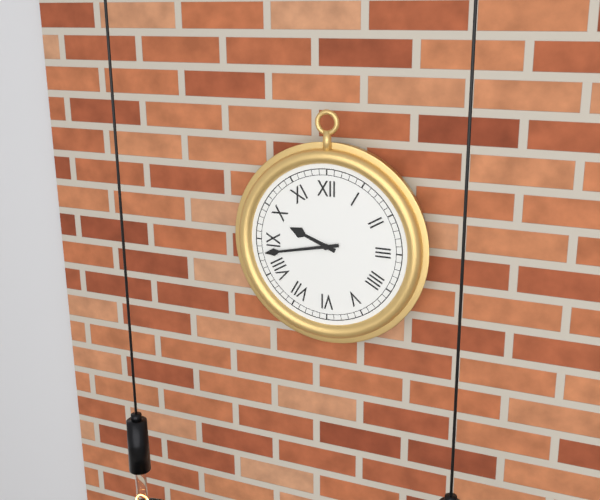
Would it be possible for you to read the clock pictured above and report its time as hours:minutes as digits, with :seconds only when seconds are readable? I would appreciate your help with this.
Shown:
9:43
